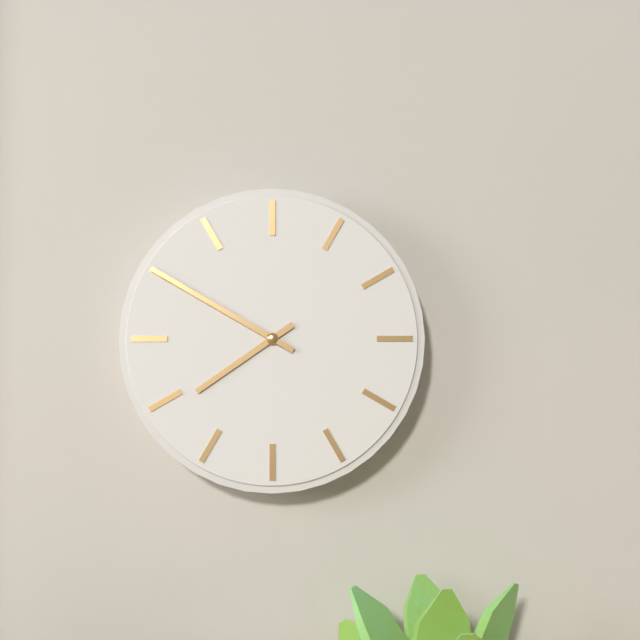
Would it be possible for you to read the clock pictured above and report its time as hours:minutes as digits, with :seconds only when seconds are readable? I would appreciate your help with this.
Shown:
7:50
